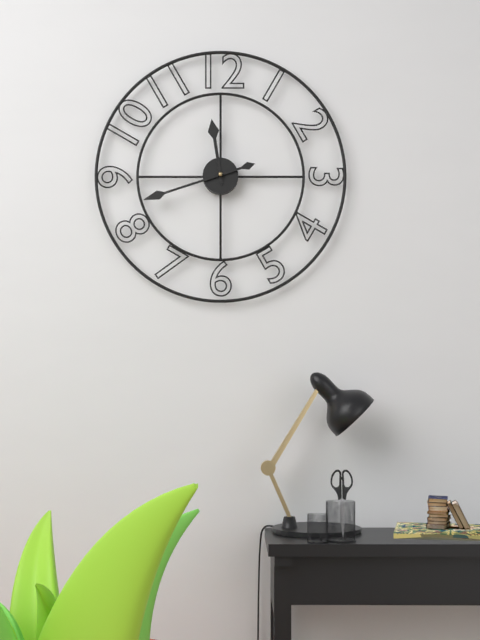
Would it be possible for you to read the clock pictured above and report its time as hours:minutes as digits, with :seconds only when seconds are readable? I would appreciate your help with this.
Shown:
11:42
